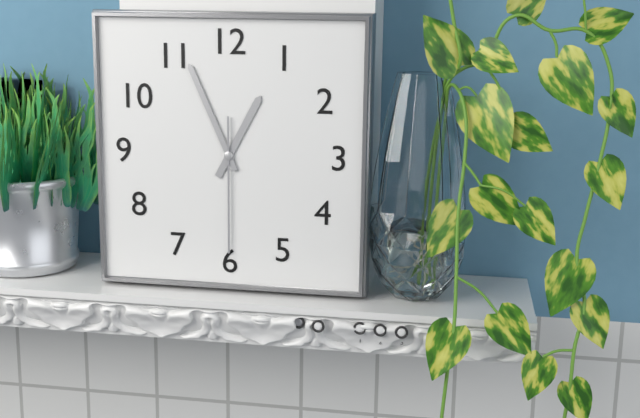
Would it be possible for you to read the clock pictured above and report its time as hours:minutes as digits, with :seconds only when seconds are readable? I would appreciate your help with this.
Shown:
12:56:30
